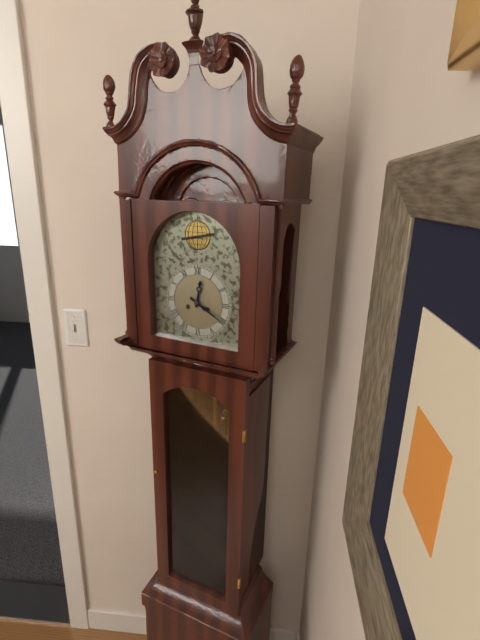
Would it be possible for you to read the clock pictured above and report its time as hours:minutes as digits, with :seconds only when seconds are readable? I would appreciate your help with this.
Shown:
12:20
